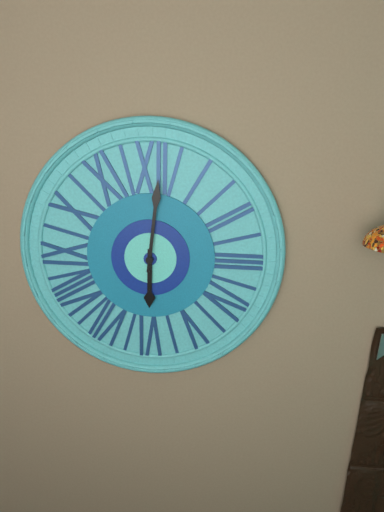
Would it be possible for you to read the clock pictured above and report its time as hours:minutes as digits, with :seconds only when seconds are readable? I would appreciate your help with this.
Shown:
6:01
